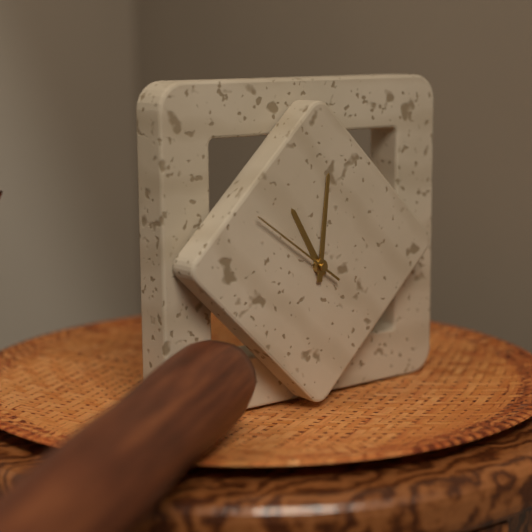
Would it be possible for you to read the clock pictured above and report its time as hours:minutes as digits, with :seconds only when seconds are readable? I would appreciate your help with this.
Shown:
11:01:51
